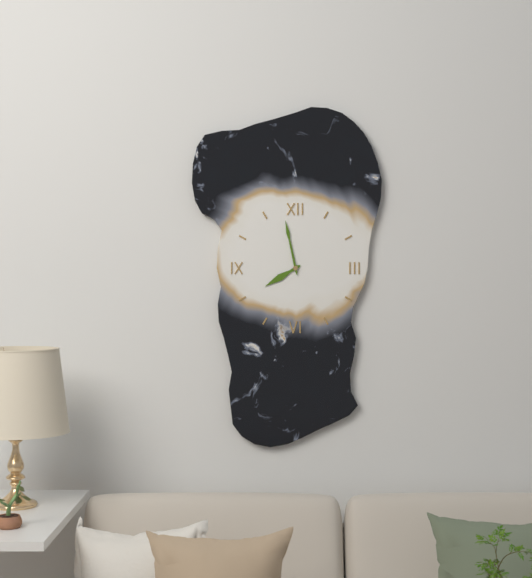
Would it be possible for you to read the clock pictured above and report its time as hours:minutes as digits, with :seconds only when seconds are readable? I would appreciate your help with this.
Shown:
7:58
